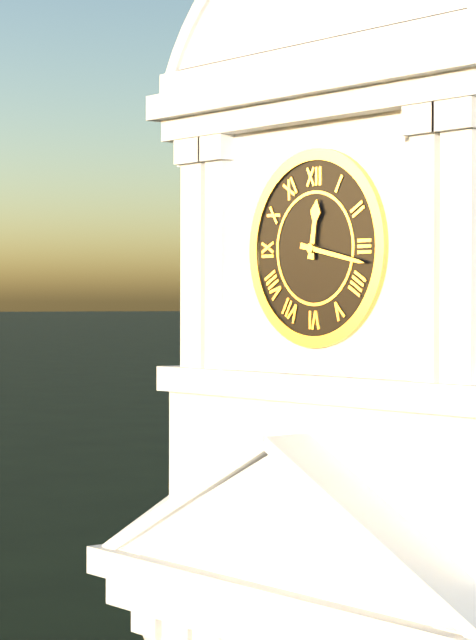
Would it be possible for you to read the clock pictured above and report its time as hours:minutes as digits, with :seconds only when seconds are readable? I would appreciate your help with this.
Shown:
12:17
